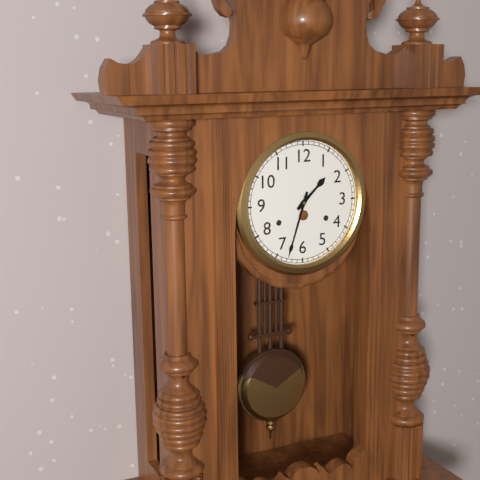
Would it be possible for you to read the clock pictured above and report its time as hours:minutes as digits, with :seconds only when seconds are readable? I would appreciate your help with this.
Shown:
1:33
